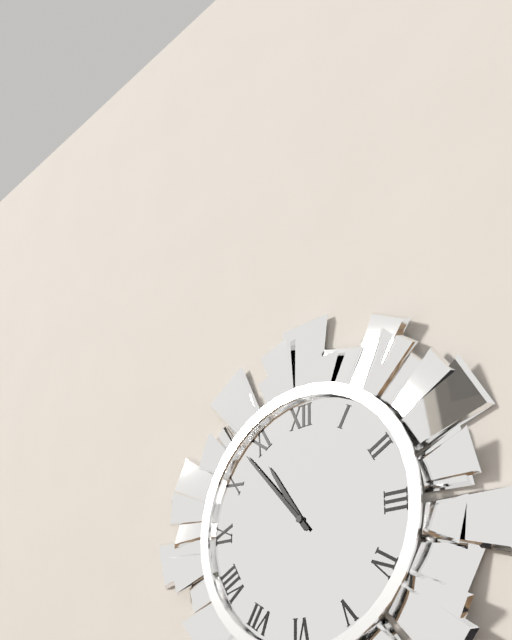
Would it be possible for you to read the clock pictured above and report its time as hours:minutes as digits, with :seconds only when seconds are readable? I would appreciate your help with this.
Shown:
10:53
